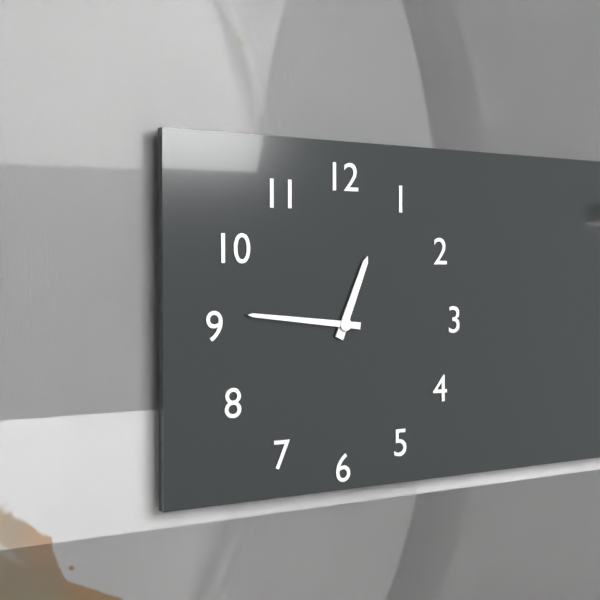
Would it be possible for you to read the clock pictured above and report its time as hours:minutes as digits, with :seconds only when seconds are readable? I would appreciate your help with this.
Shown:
12:46
